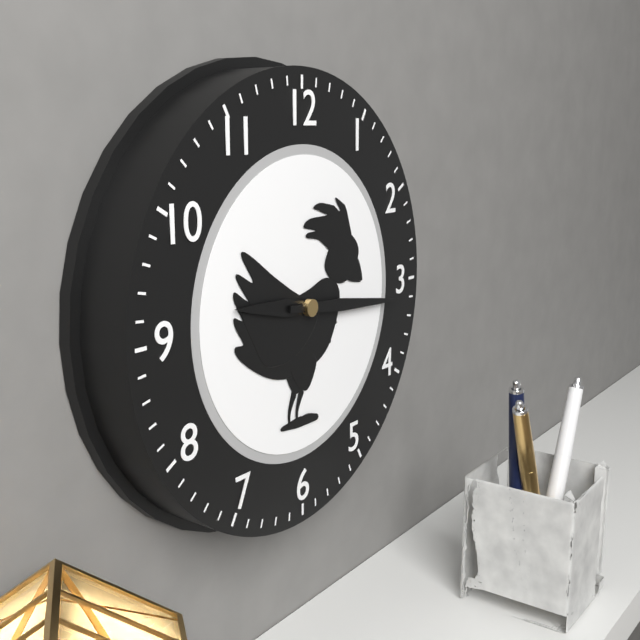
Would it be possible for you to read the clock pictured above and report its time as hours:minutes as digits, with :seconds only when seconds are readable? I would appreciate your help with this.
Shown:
9:16
